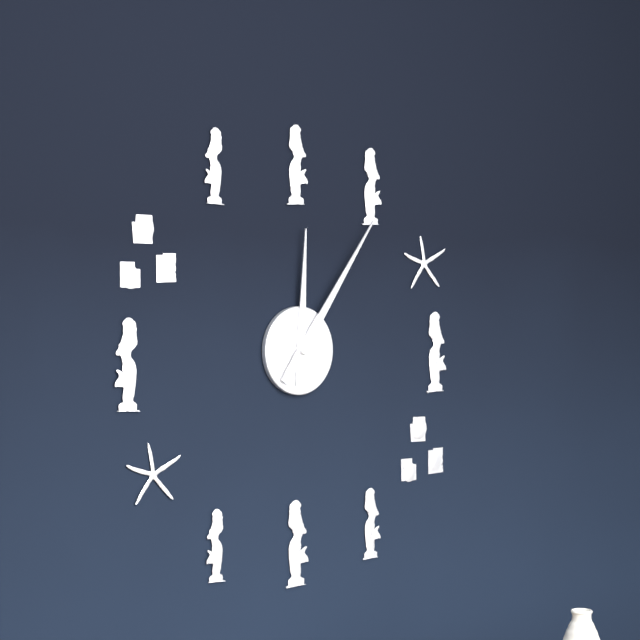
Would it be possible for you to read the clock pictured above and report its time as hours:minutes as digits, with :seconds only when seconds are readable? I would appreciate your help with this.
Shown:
12:06
